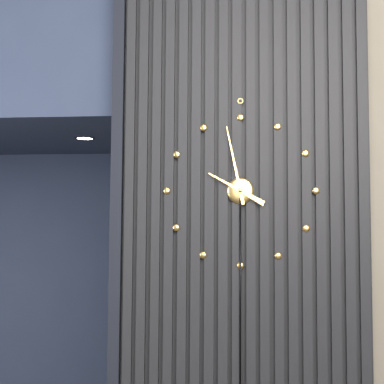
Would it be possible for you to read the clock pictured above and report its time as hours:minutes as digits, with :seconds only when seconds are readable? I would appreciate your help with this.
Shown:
9:58
